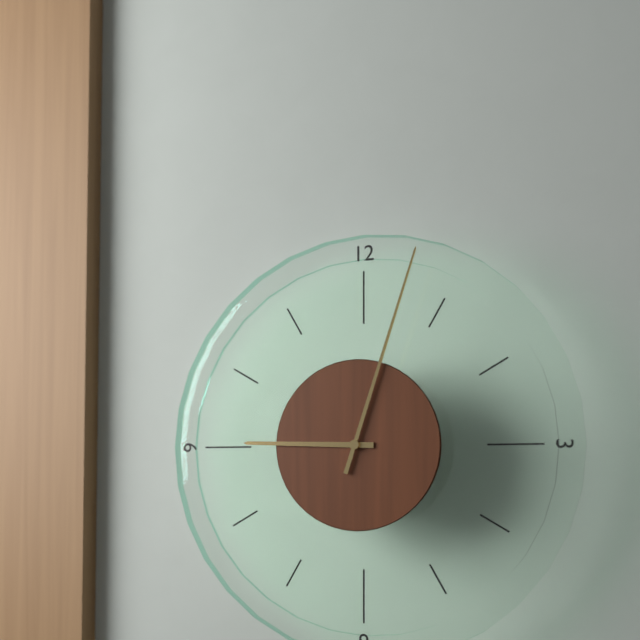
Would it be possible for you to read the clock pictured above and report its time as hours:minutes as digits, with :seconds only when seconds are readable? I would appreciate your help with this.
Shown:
9:03
